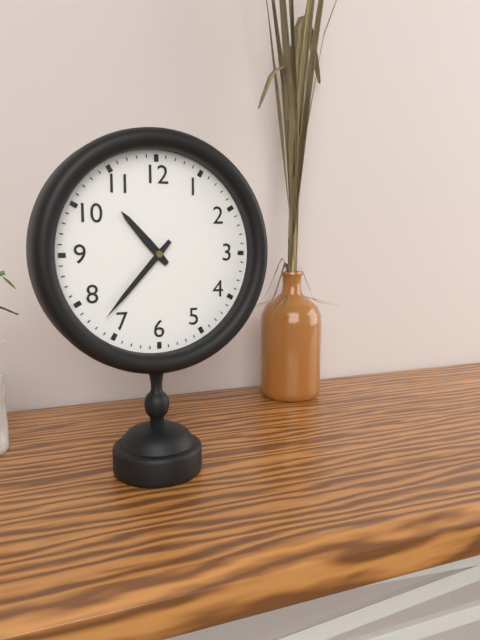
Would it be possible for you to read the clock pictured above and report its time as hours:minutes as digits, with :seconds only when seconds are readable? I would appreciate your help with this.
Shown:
10:37
